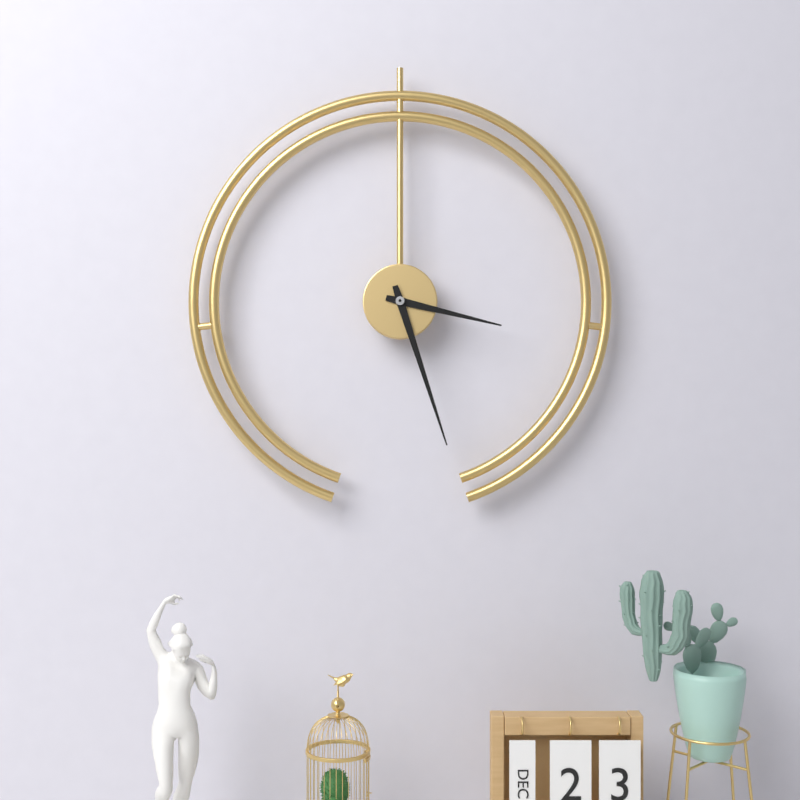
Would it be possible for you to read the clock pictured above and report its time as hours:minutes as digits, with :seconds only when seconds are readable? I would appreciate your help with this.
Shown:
3:27
